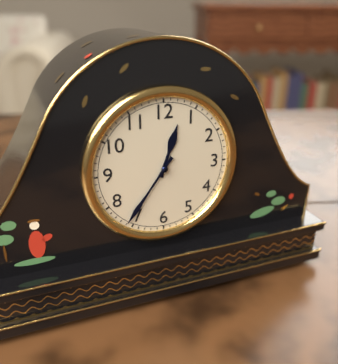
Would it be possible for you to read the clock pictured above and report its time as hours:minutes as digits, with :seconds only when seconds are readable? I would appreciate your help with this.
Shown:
12:36
